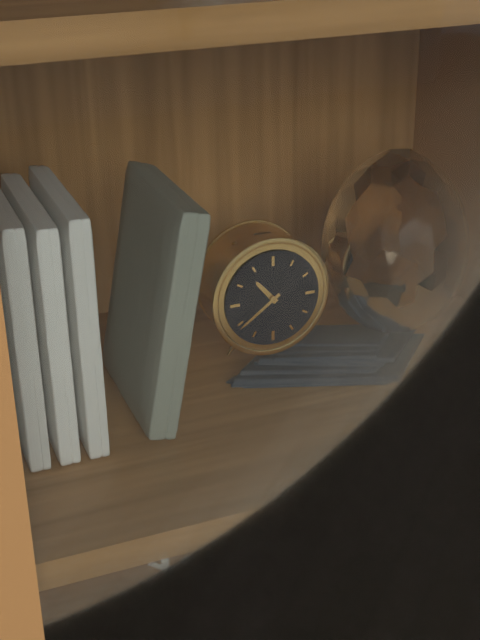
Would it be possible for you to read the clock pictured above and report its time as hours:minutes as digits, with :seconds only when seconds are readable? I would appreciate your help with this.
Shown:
10:39
